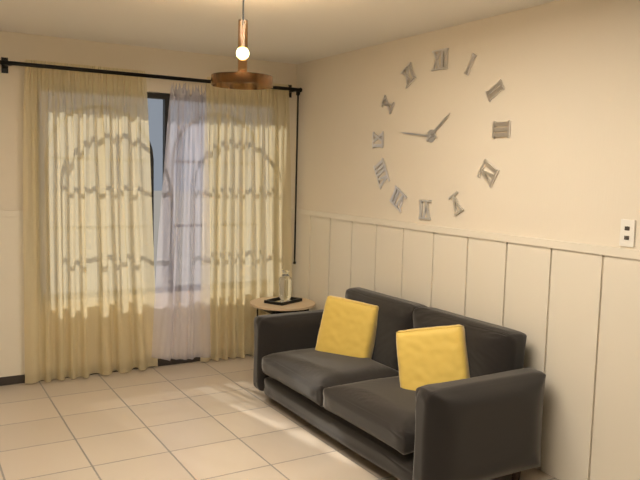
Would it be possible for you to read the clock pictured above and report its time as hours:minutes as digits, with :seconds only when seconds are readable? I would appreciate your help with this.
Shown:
1:46
